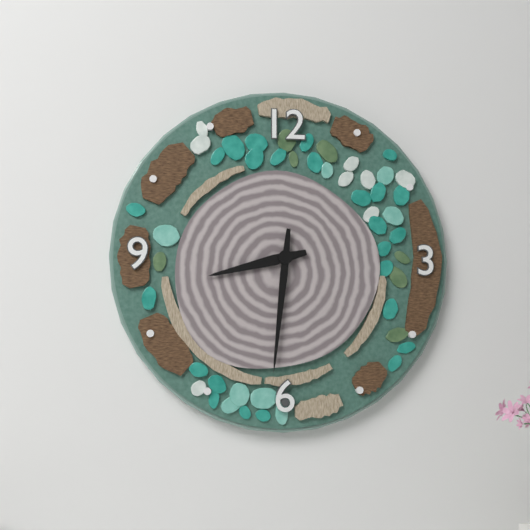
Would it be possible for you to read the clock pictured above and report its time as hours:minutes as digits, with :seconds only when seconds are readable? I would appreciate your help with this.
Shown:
8:31
